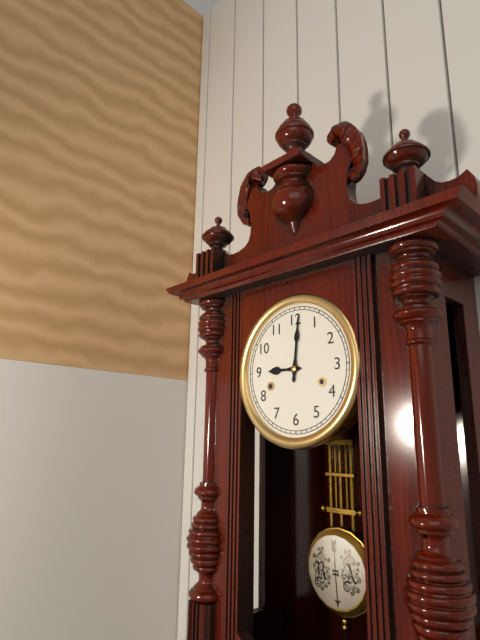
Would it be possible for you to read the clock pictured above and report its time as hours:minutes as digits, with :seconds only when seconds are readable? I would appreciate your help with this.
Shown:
9:01
